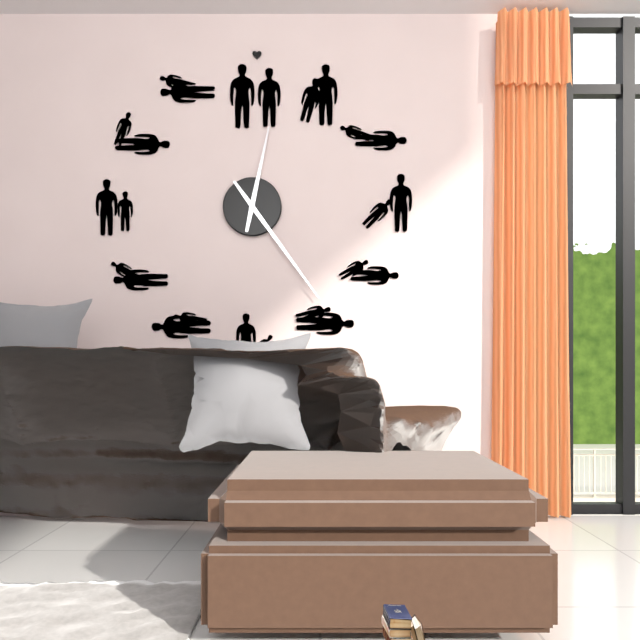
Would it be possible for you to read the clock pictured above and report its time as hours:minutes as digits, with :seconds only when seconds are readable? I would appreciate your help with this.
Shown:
12:24
